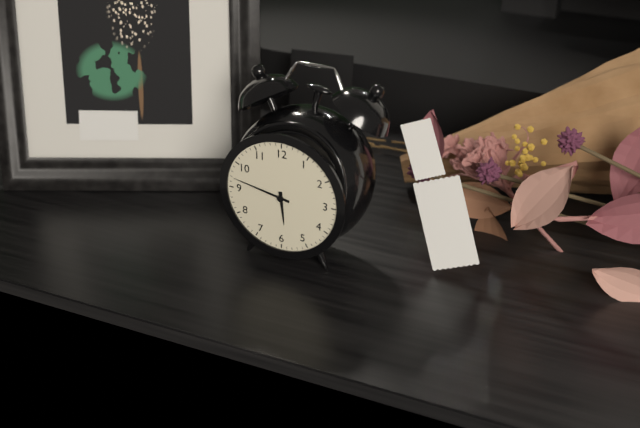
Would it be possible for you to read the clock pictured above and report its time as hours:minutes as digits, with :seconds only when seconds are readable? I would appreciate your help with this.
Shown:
5:47
